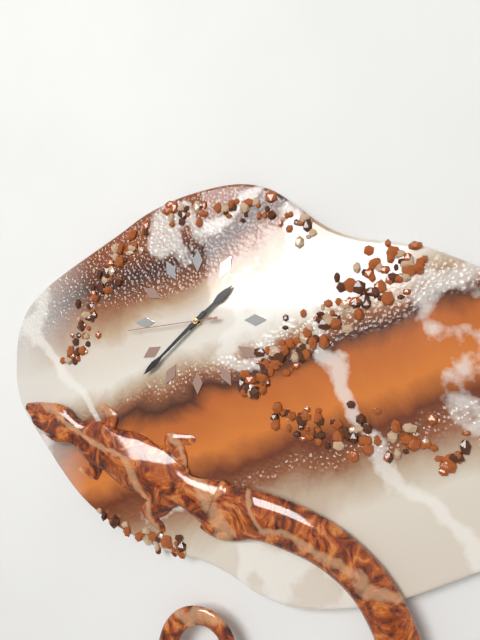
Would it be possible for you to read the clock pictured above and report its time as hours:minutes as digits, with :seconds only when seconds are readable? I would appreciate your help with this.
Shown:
1:38:44
